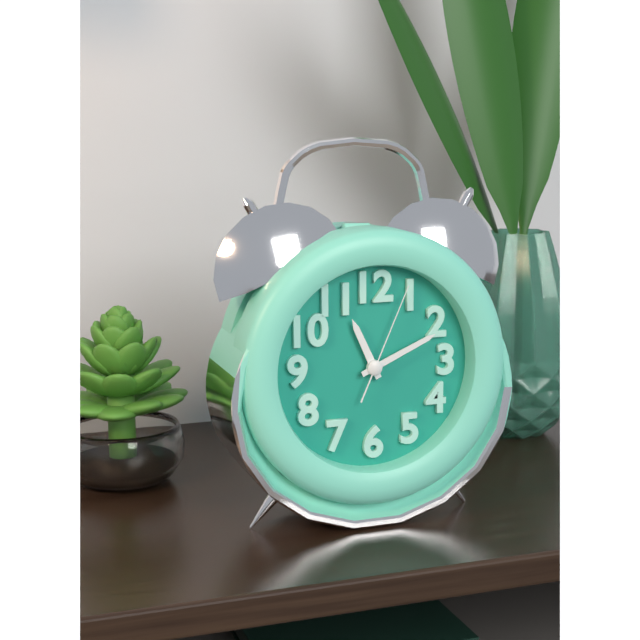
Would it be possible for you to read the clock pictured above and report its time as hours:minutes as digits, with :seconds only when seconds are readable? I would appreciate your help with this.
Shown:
11:11:04
